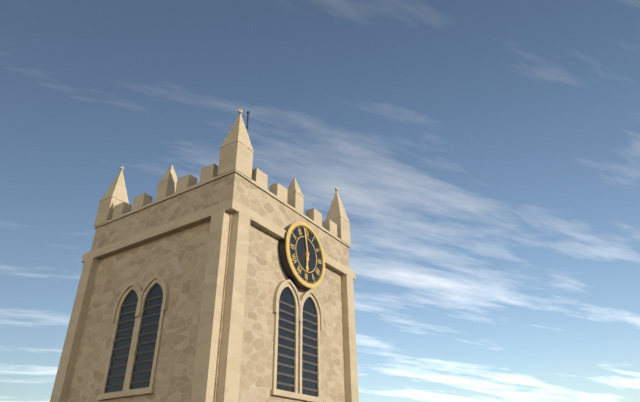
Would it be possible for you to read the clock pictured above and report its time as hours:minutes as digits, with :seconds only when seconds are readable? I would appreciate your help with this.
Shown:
5:58
